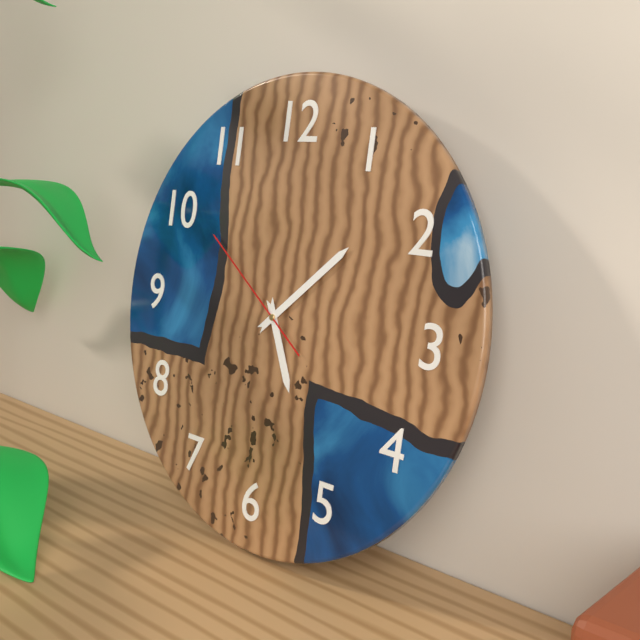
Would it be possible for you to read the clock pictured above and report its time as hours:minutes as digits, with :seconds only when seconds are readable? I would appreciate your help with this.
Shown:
5:08:51
